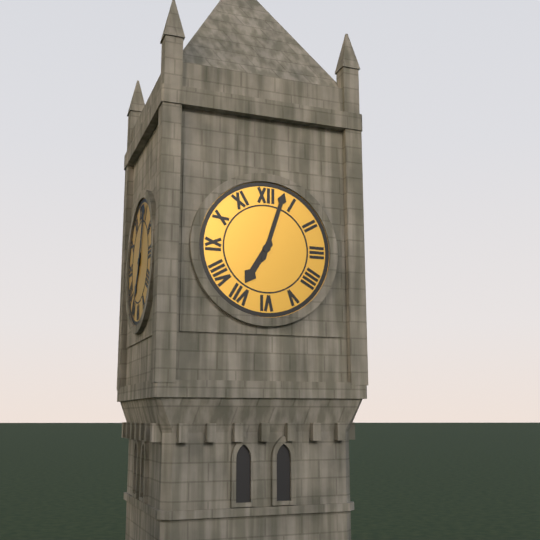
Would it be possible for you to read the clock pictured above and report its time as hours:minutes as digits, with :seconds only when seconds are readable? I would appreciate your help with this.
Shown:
7:03
